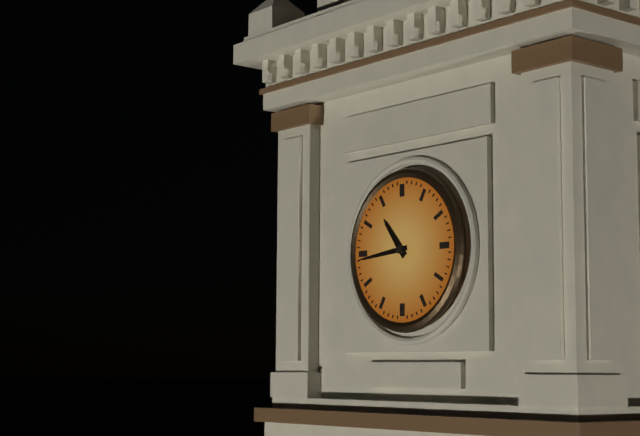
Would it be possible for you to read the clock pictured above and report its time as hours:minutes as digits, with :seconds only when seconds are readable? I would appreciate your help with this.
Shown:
10:44
